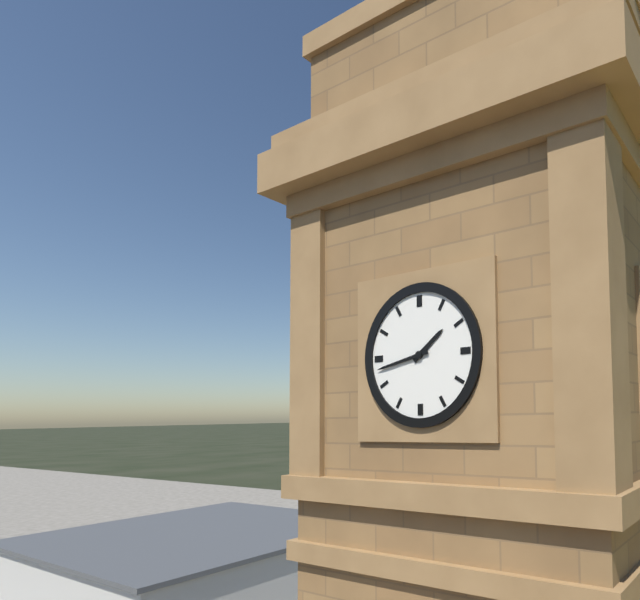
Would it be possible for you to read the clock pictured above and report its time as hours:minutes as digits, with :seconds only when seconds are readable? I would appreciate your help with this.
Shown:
1:43
